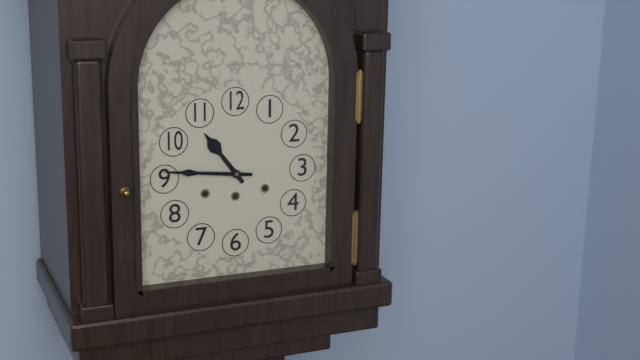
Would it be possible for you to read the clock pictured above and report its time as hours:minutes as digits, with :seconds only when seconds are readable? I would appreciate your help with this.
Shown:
10:46
